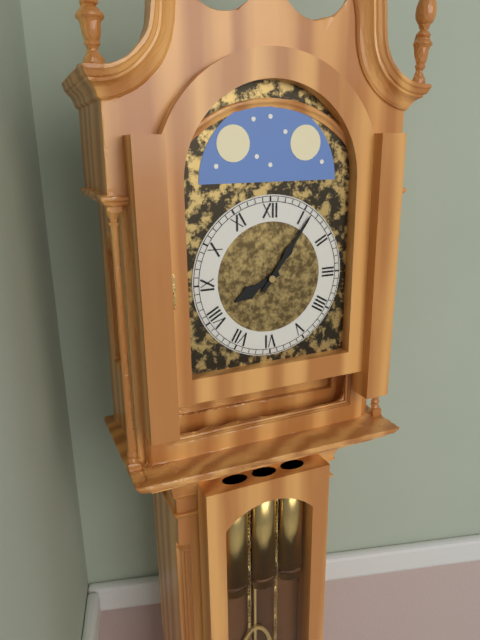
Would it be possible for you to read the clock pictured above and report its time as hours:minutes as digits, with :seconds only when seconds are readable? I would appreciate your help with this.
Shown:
8:06
